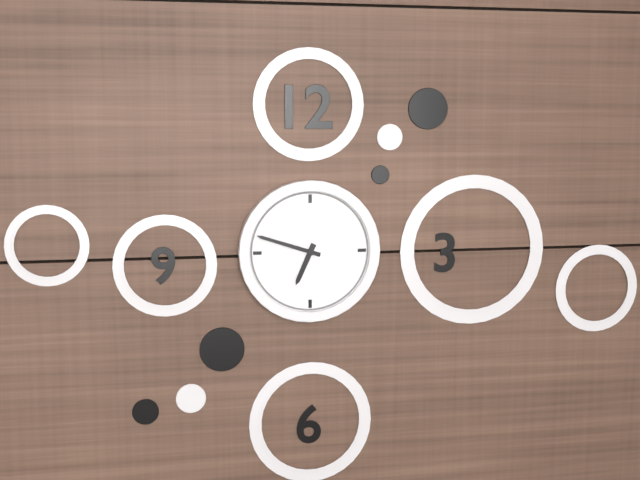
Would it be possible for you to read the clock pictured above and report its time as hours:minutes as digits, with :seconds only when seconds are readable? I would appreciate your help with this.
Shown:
6:48
